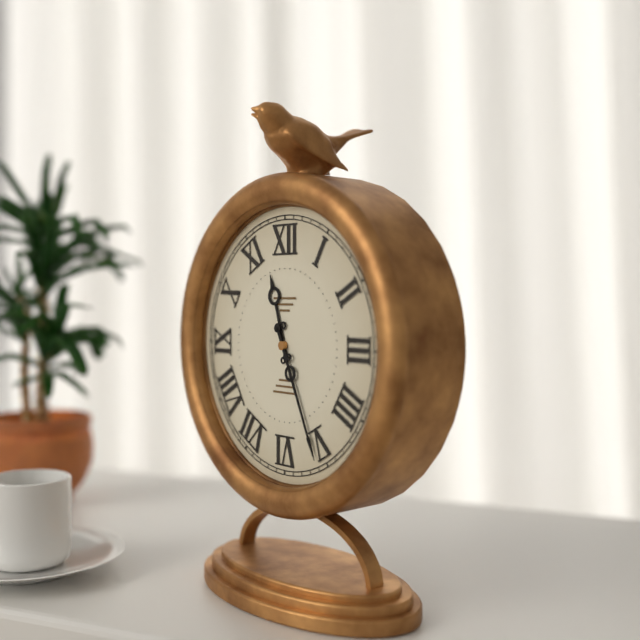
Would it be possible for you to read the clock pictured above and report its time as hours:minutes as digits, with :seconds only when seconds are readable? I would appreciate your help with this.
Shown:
11:26
